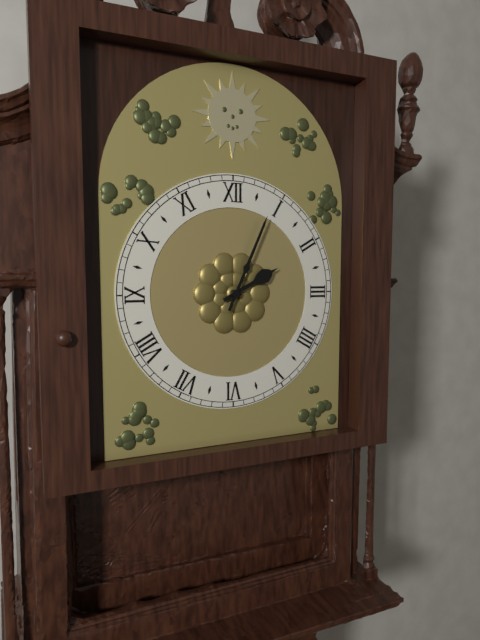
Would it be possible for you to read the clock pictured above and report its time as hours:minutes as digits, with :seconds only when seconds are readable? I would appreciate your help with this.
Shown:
2:04
